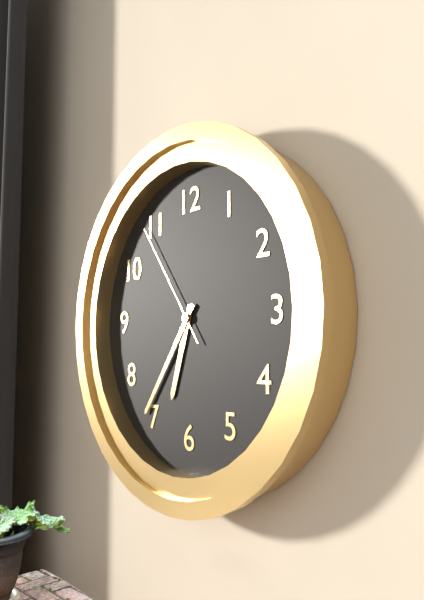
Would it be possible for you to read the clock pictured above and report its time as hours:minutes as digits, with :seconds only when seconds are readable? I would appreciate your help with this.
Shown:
6:36:54
